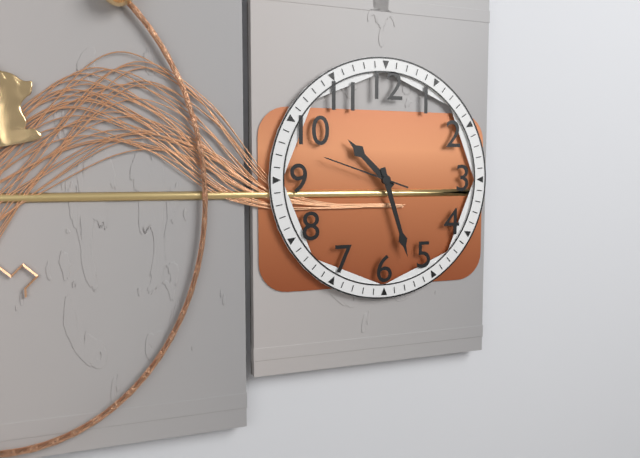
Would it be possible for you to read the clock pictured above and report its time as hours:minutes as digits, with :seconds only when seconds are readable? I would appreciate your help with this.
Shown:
10:27:48
